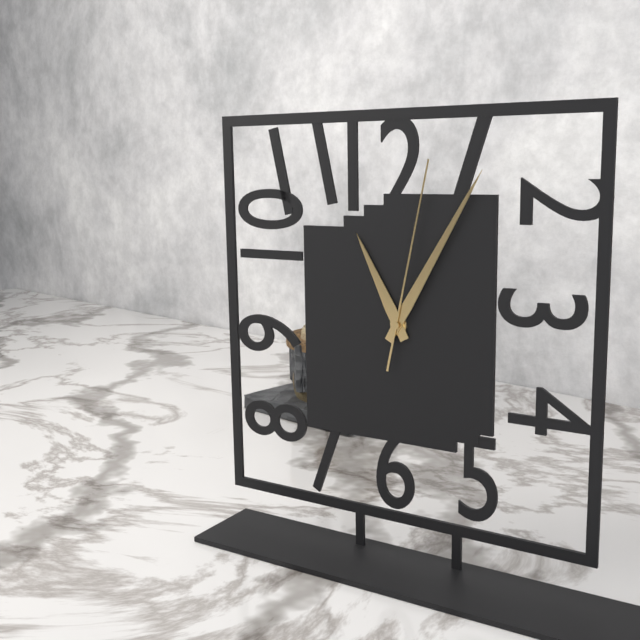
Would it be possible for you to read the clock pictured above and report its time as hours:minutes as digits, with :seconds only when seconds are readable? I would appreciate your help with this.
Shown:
11:05:02
